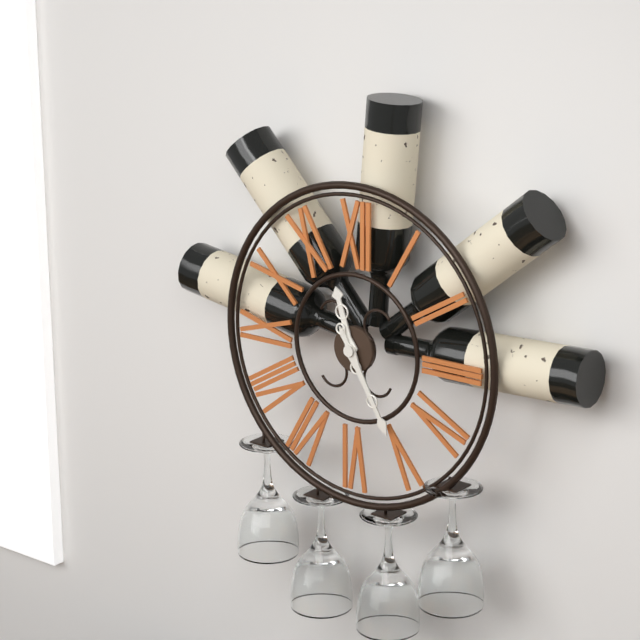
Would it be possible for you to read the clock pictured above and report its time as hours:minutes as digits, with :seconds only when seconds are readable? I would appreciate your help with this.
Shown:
11:25
